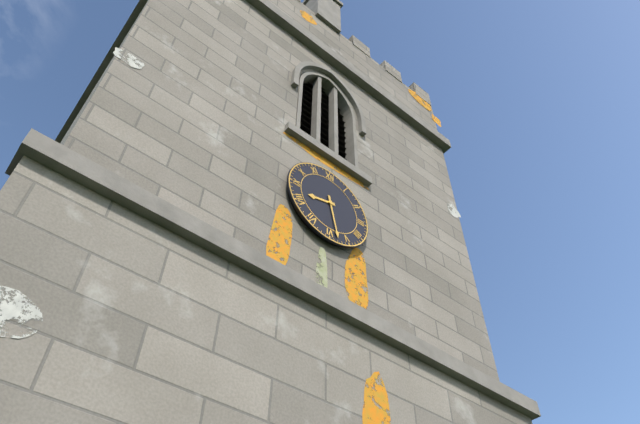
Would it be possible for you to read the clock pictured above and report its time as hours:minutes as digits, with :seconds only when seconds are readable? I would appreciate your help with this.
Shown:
8:28
